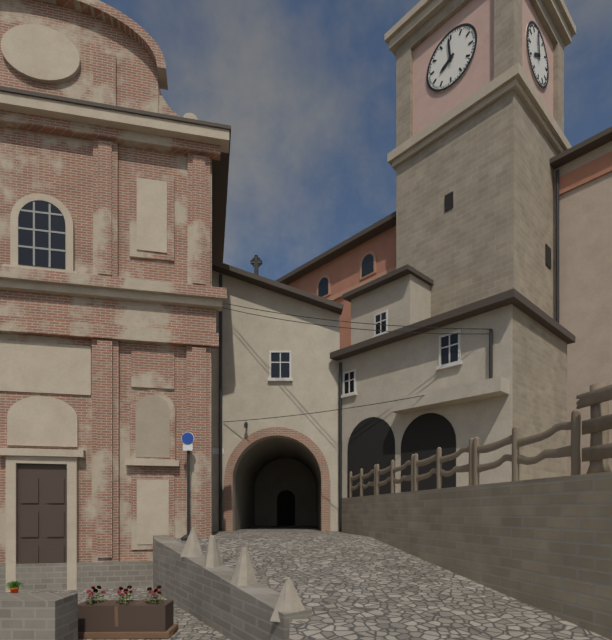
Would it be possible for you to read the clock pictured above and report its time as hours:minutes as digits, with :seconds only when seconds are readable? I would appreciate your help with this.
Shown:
7:59
